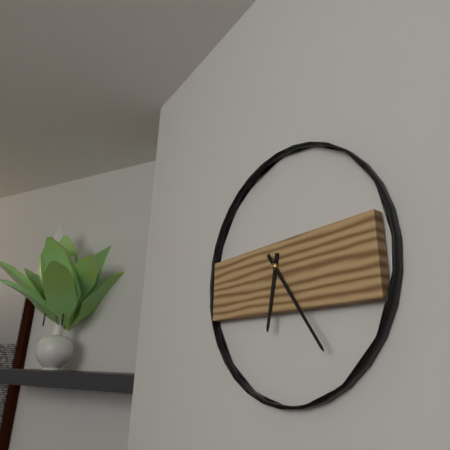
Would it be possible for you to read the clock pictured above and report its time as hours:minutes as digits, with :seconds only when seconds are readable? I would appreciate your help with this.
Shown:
6:24
